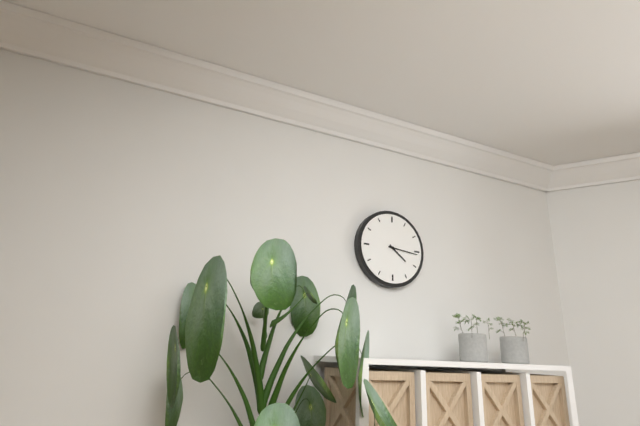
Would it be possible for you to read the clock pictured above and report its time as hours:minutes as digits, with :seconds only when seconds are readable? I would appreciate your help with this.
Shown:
4:16
